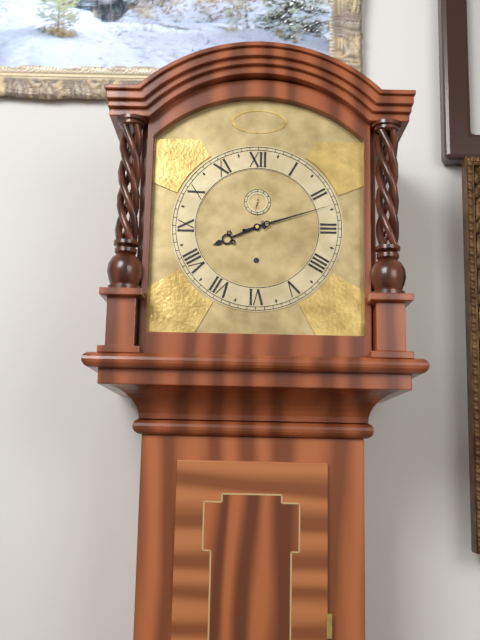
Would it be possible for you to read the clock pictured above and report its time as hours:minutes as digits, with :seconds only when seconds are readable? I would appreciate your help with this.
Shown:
8:12
